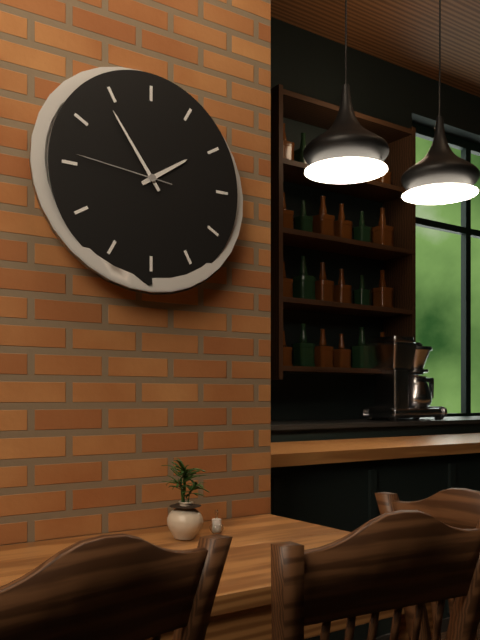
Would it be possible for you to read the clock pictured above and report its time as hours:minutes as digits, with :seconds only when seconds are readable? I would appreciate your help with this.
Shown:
1:54:46
